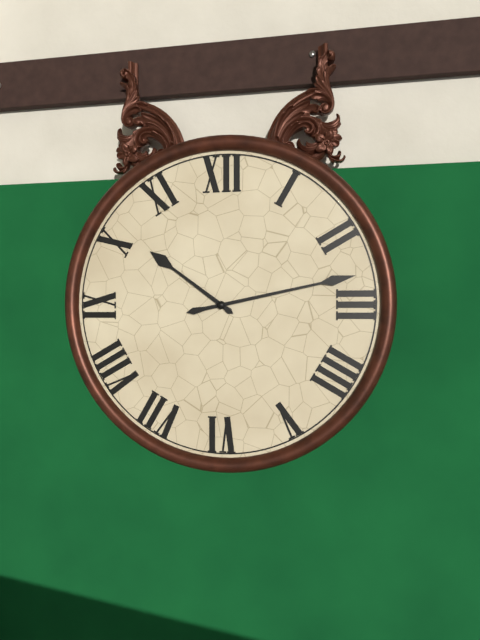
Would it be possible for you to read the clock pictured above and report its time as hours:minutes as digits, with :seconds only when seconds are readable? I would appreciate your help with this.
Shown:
10:13
